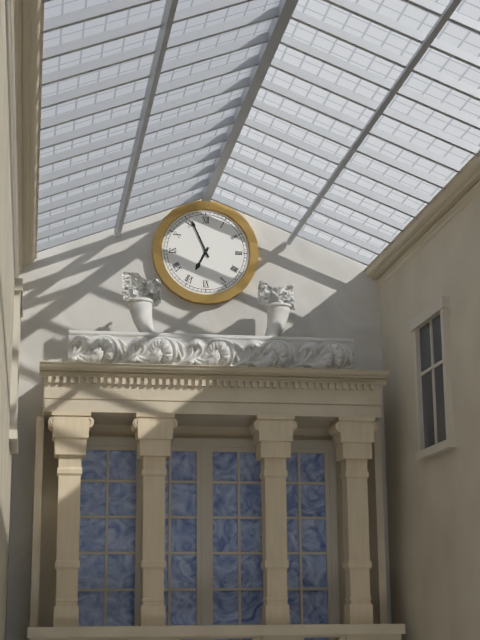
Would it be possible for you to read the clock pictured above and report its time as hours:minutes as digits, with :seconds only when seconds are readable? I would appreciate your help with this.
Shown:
6:56
